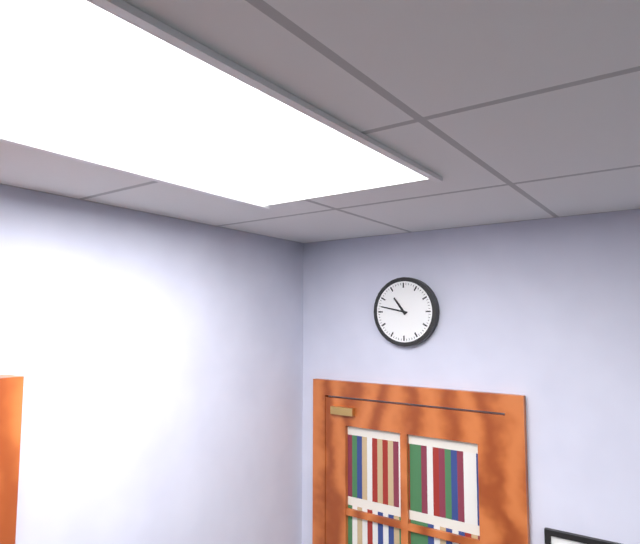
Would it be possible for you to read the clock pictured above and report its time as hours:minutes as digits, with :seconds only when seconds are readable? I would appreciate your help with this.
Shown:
10:47
